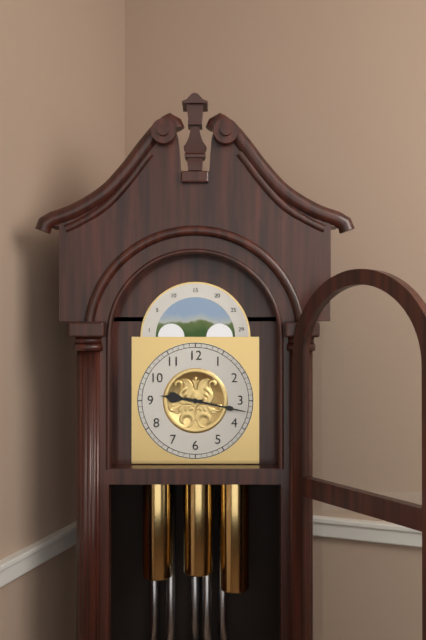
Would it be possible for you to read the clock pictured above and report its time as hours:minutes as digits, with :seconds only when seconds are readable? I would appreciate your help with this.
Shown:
9:17
